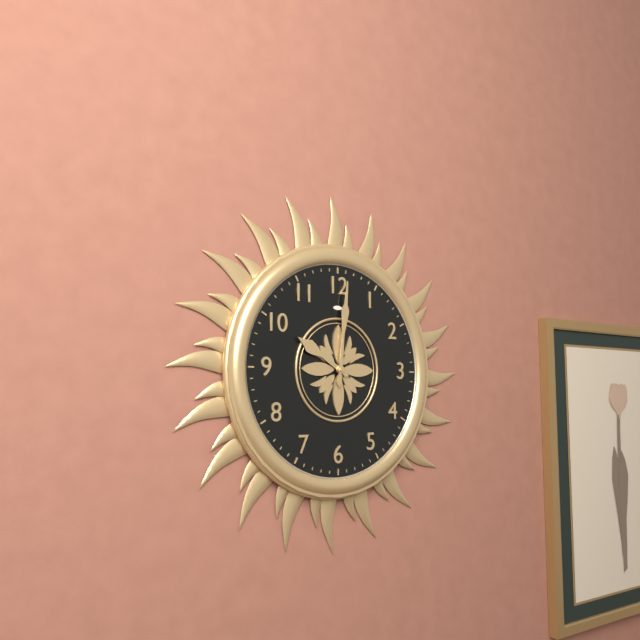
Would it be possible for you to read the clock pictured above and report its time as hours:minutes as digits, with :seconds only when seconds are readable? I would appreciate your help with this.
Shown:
10:01
